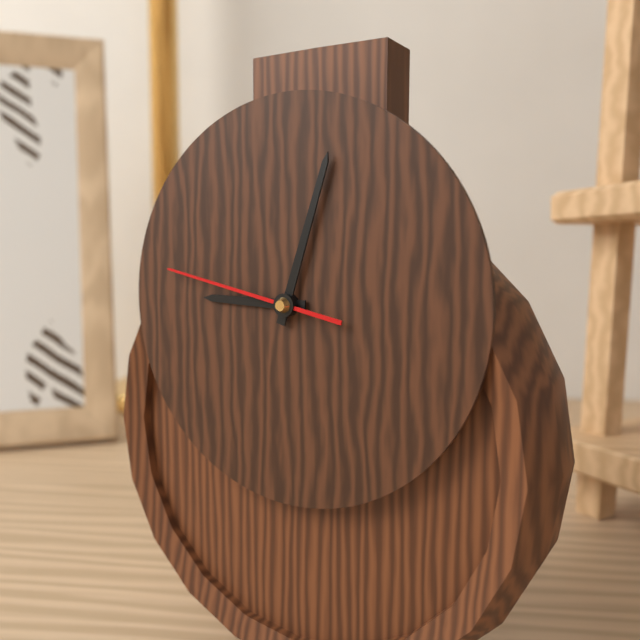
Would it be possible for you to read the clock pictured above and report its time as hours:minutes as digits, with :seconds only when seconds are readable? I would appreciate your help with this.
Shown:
9:03:47
